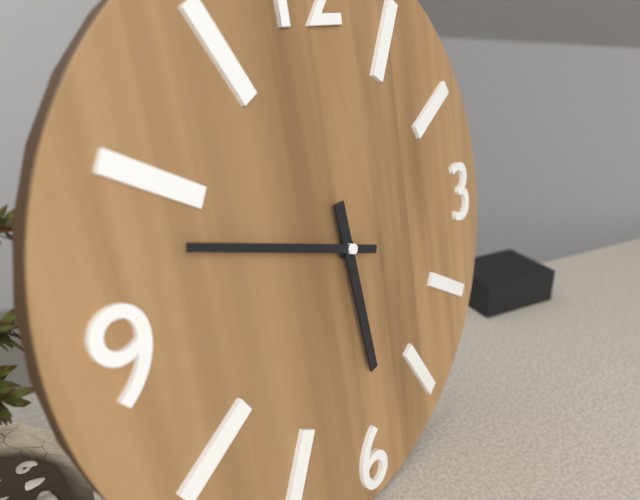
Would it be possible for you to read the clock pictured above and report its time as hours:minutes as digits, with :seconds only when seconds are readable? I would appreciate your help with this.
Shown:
5:48
